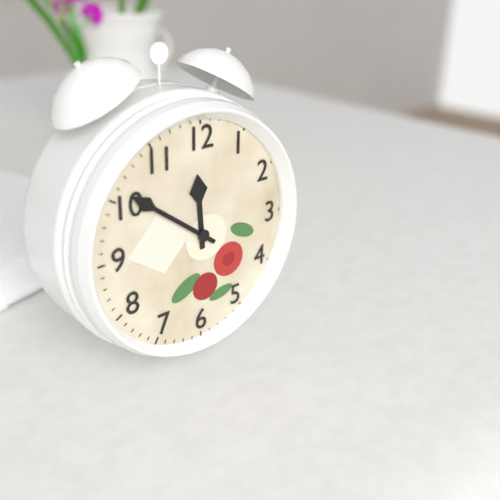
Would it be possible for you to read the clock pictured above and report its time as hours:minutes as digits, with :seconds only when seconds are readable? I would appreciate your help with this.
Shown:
11:51
